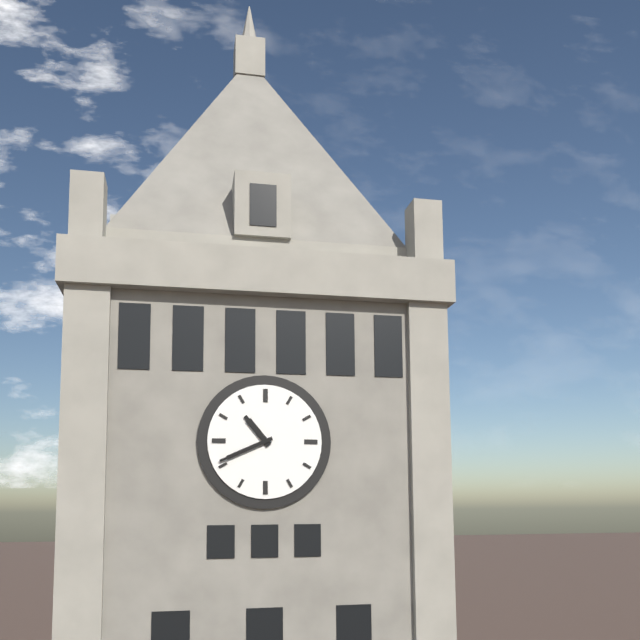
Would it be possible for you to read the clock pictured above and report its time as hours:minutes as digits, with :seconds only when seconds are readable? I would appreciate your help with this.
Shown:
10:41
